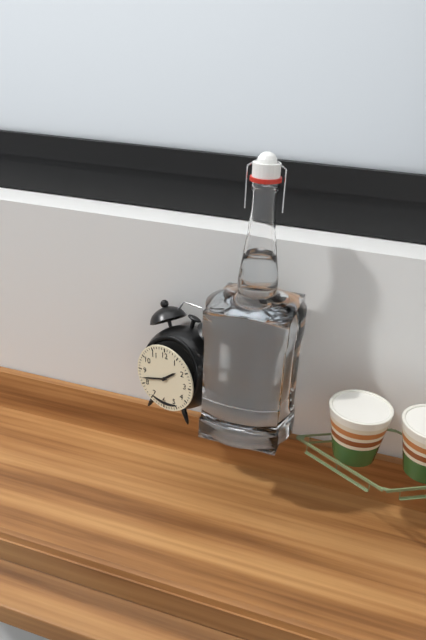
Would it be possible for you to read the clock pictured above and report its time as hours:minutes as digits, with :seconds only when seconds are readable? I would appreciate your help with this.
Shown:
1:42
